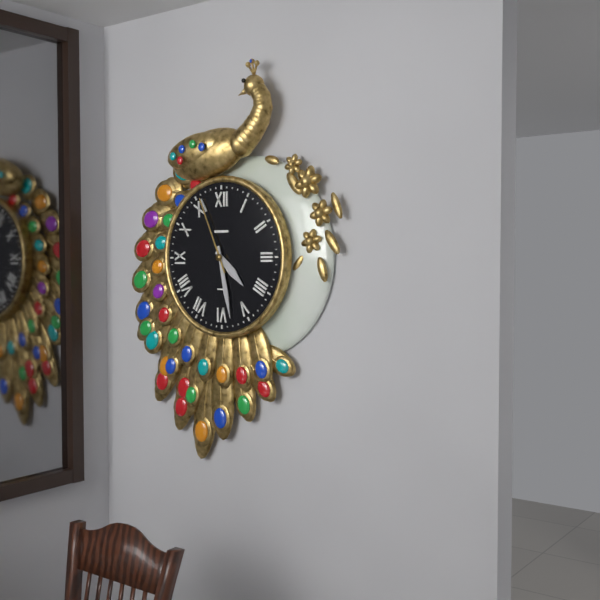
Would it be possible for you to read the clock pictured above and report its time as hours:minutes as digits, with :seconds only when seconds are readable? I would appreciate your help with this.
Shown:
4:28:56
